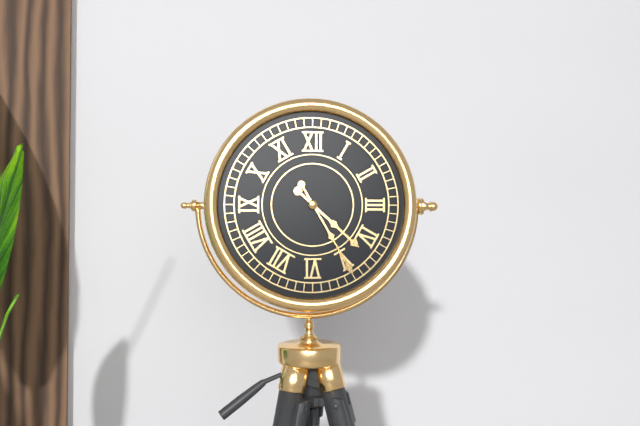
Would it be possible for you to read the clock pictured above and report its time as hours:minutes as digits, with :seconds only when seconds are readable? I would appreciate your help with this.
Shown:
4:25
